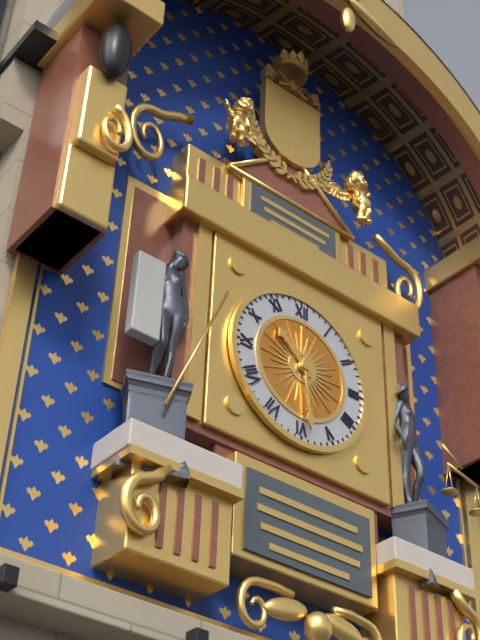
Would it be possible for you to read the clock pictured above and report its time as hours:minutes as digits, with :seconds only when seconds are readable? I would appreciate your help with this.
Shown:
10:29
